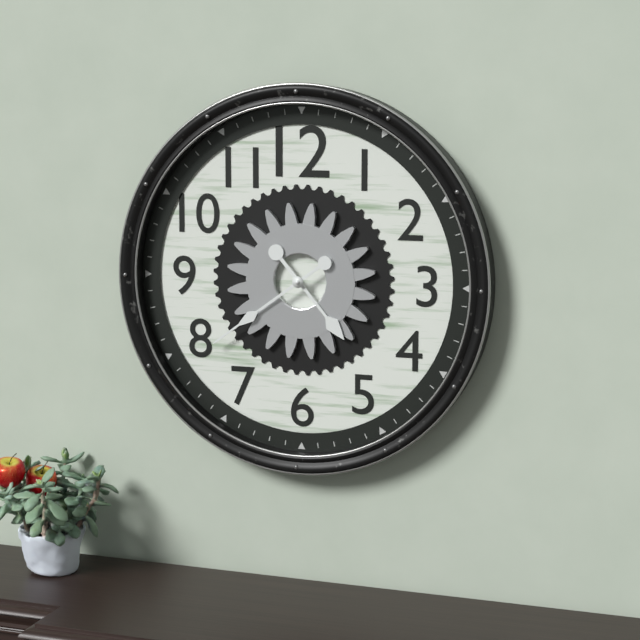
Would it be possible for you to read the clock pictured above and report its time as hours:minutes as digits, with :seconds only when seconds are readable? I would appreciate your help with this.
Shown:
4:39
